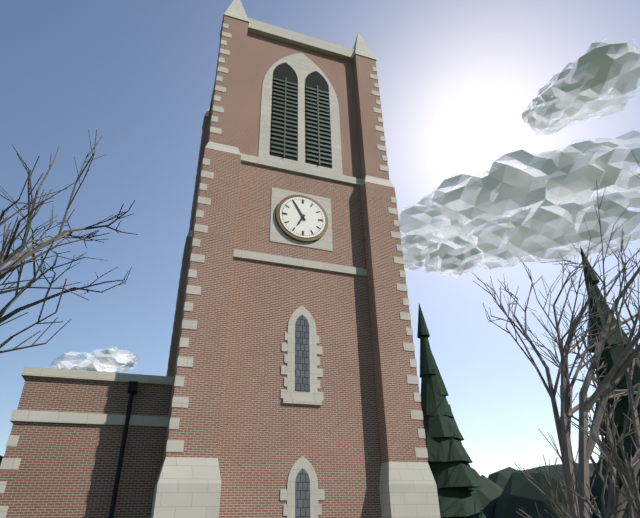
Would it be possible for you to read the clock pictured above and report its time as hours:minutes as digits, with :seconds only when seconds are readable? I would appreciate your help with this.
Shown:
6:55
